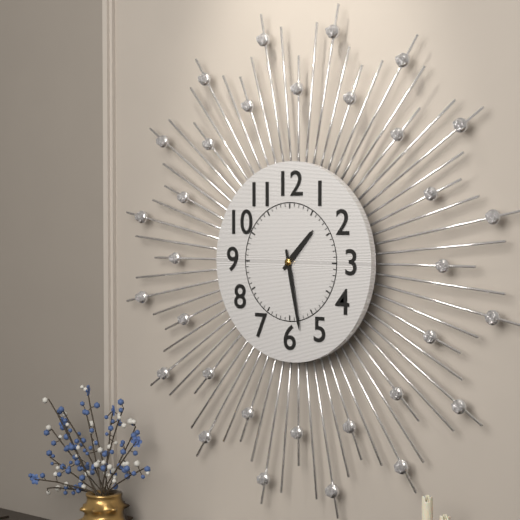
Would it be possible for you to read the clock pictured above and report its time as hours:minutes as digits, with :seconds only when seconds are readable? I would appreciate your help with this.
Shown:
1:28
